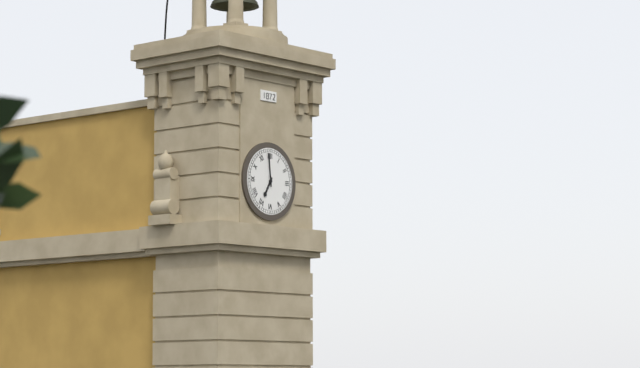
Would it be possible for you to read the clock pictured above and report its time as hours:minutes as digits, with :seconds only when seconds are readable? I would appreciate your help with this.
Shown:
6:59
